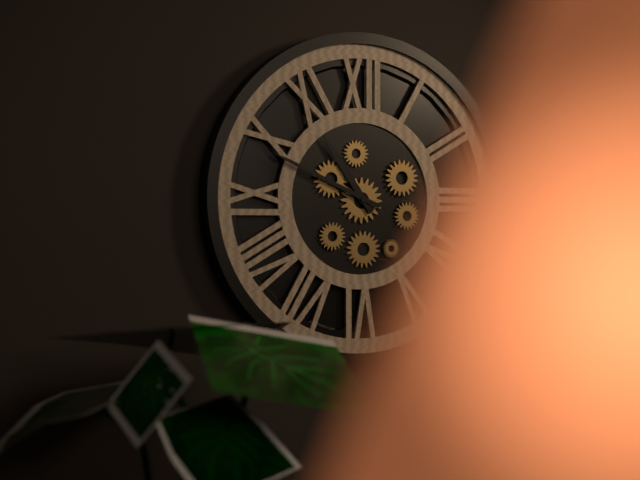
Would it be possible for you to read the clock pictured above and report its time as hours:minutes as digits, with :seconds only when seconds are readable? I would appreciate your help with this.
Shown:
10:49
